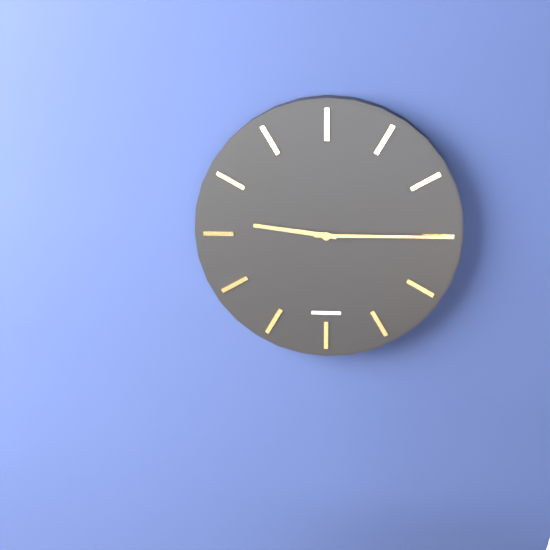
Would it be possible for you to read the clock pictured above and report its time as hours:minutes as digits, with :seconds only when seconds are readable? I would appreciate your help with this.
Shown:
9:15
